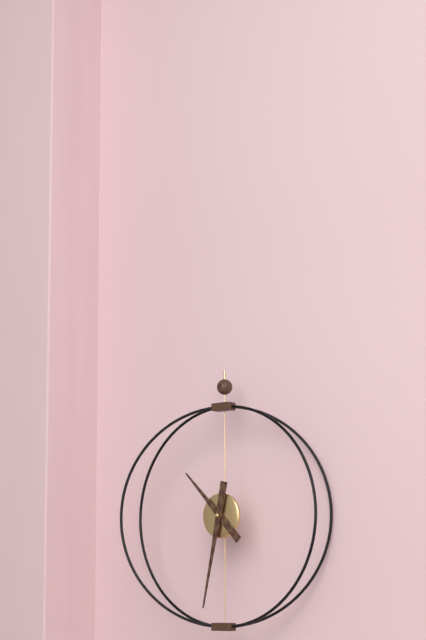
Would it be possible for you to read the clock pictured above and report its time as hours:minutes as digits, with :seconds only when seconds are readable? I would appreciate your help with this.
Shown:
10:32
